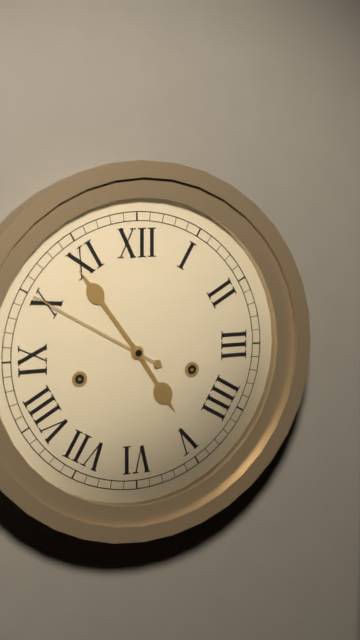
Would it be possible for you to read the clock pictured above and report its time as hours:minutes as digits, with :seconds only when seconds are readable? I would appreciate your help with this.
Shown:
4:54:50
